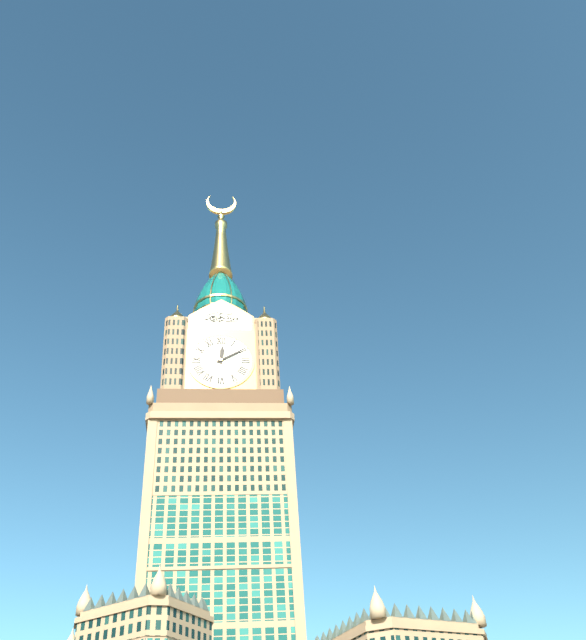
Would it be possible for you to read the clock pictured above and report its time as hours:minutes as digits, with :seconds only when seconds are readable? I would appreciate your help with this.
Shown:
12:10
